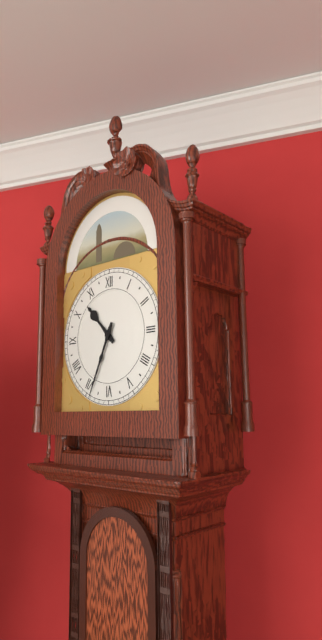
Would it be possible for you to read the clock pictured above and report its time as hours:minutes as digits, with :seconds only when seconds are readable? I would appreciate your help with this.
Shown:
10:34
